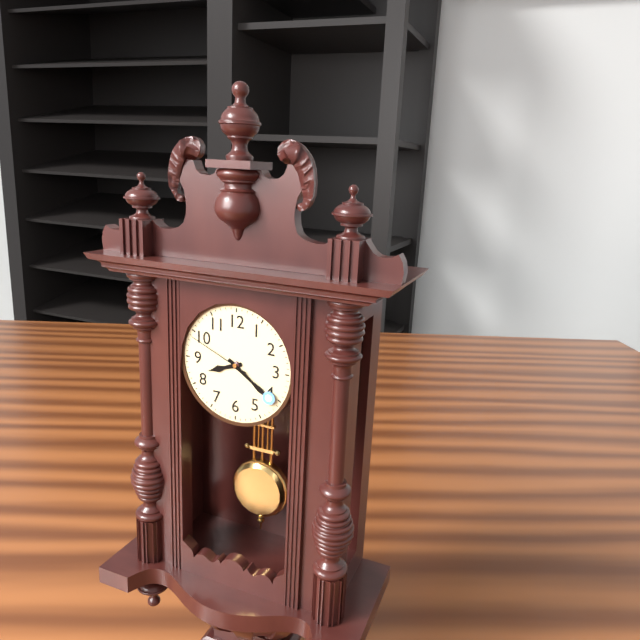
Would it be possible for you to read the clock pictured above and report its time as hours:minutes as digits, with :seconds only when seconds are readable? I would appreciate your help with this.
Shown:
8:21:49
